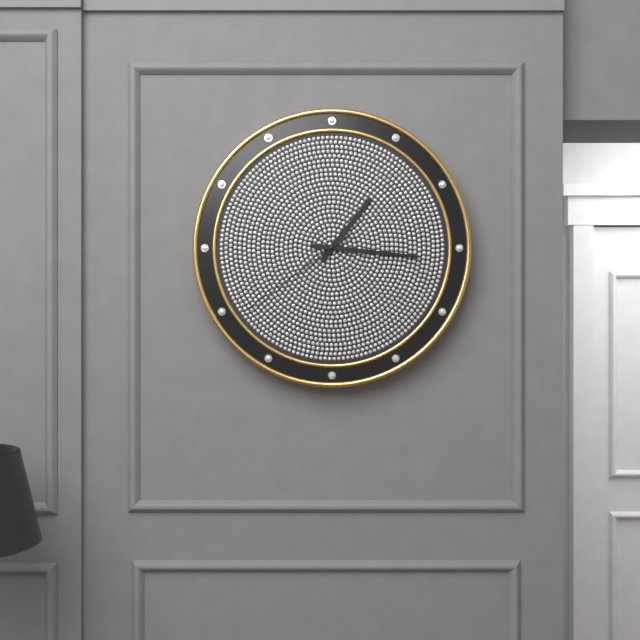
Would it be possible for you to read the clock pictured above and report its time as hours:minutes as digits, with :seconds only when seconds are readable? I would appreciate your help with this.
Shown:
1:16:39
